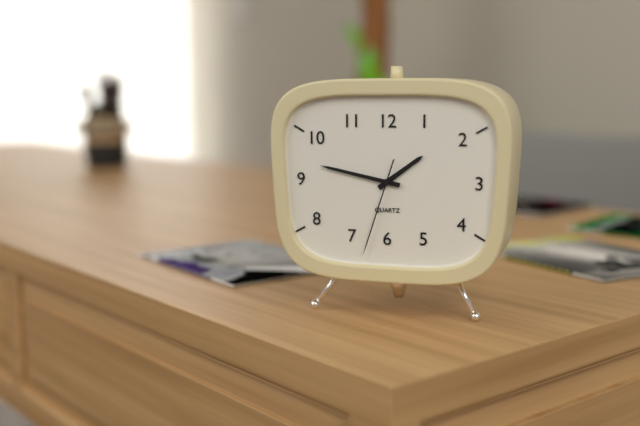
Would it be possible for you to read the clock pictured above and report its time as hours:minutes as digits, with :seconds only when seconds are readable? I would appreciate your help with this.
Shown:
1:47:33
